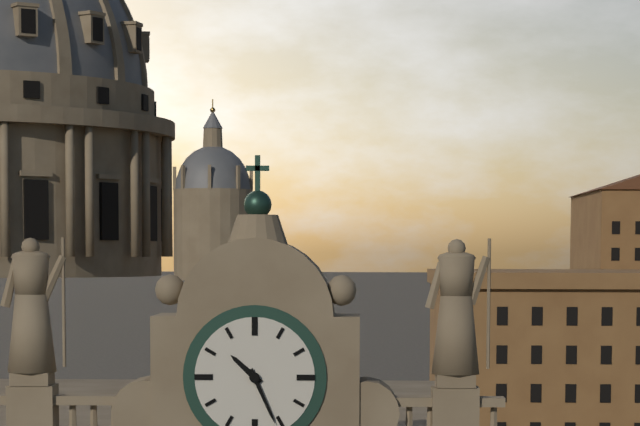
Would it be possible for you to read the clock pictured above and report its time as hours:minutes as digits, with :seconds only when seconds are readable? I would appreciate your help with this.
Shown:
10:26
